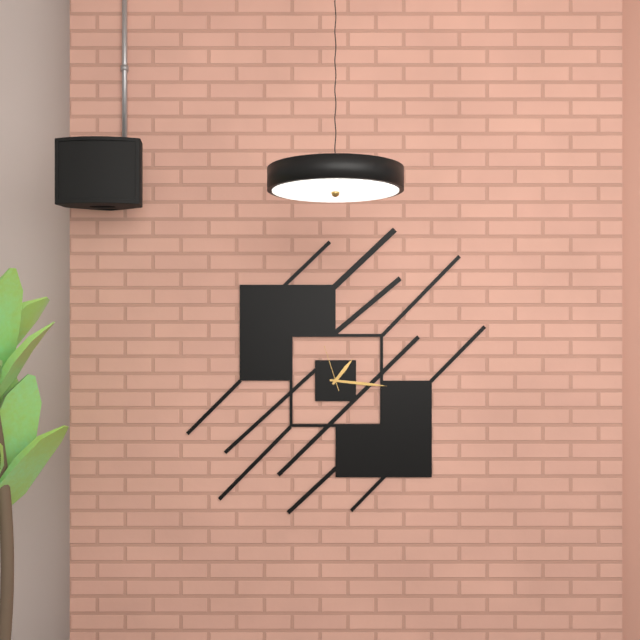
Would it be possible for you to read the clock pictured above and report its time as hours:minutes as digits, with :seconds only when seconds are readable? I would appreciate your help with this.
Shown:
1:16
